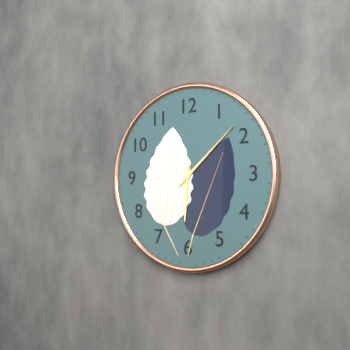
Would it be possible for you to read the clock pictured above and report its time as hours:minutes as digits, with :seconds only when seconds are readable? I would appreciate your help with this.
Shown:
6:08
